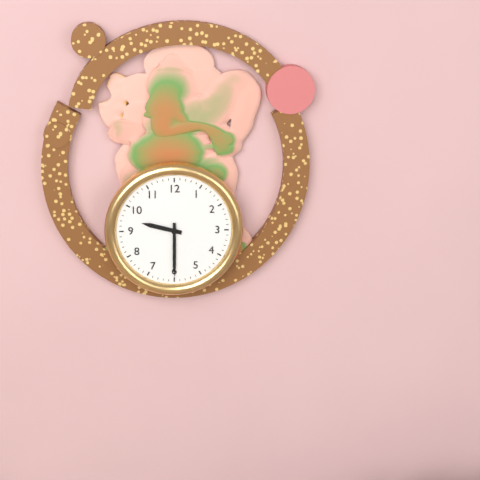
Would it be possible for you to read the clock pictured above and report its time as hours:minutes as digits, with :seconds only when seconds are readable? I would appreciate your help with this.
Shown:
9:30
